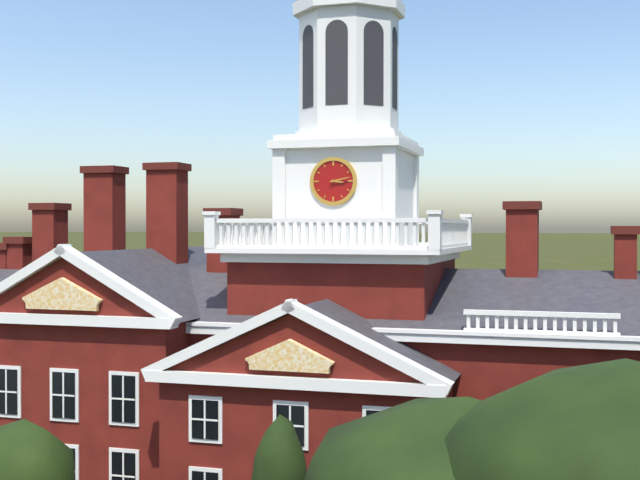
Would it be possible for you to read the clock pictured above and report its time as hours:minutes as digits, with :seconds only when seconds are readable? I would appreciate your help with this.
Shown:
3:13
